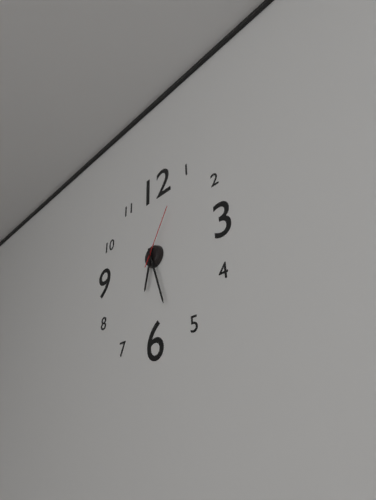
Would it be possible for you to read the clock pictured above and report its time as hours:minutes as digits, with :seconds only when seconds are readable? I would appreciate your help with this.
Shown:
6:27:05
